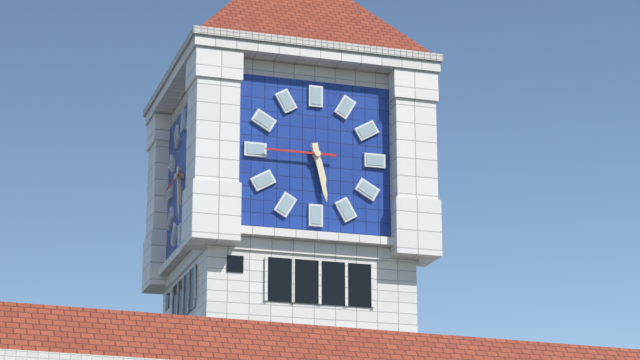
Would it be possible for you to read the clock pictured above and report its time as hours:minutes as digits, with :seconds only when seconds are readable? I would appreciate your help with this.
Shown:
5:28:45
